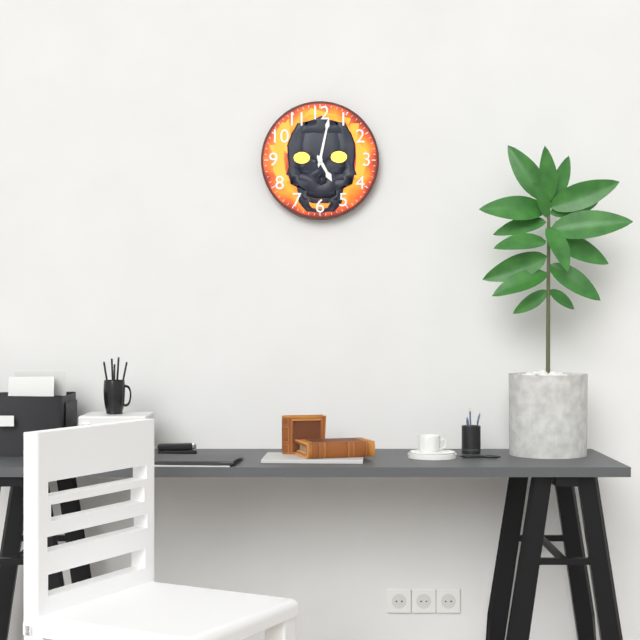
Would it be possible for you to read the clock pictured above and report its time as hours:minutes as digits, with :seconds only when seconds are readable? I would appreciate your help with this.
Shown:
5:02
